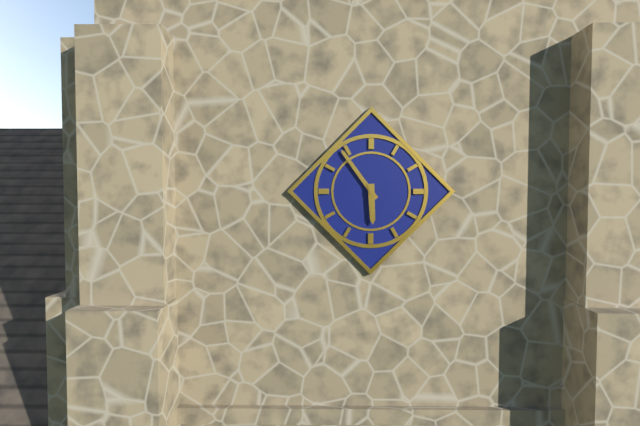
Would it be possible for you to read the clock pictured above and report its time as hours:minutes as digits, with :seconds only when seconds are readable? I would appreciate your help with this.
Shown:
5:54
